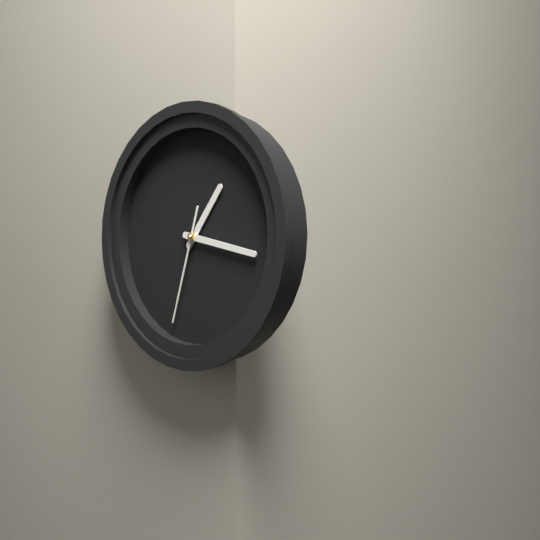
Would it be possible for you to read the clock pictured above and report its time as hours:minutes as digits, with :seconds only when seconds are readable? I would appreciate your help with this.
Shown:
1:17:33
